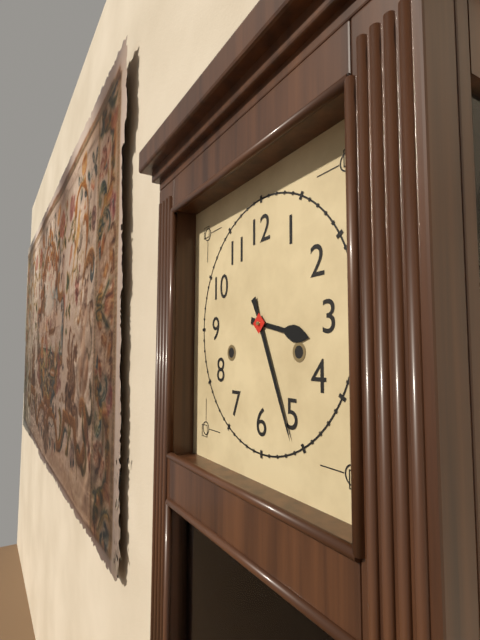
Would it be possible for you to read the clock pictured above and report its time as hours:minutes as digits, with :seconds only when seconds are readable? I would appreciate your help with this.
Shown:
3:26
